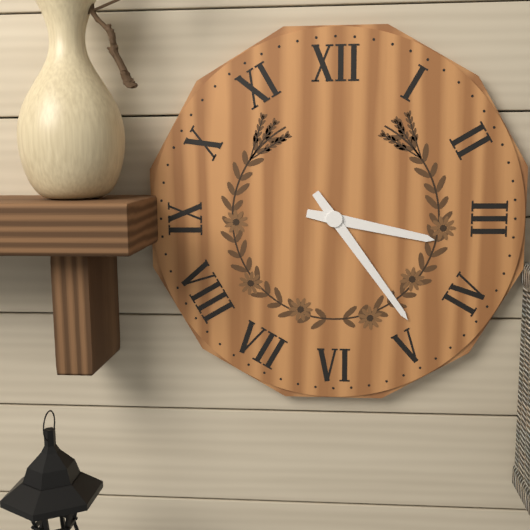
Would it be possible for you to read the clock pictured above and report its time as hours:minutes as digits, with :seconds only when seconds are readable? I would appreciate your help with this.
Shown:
3:24
